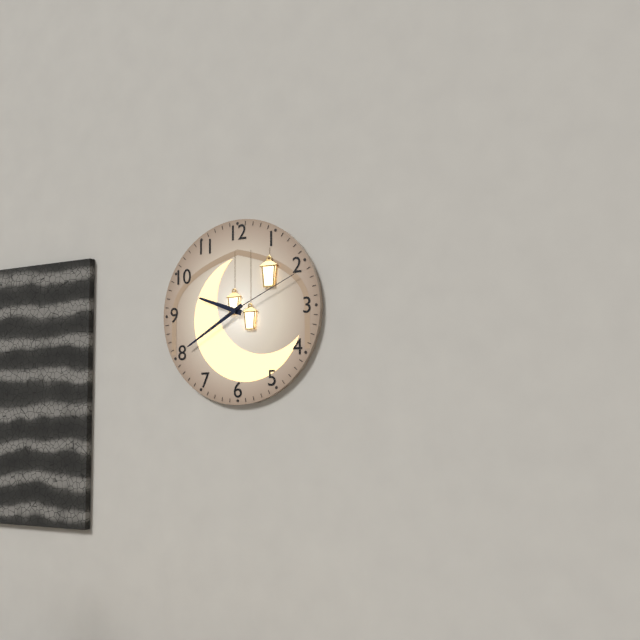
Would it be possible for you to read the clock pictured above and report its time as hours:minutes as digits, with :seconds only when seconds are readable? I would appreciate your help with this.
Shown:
9:40:11
